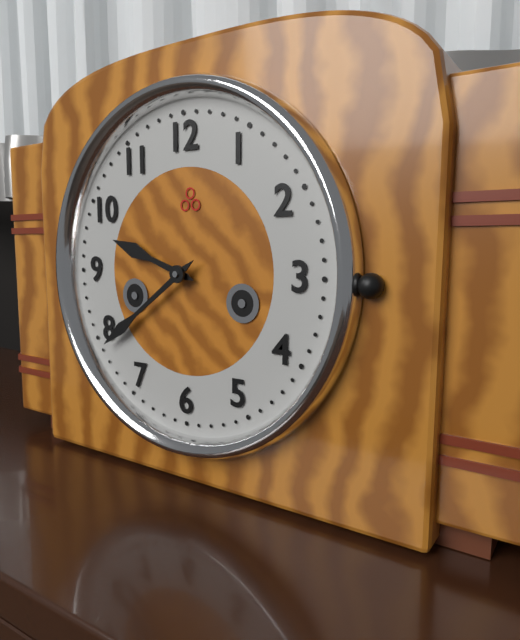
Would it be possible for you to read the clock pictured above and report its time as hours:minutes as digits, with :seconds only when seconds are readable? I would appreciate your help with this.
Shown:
9:39
